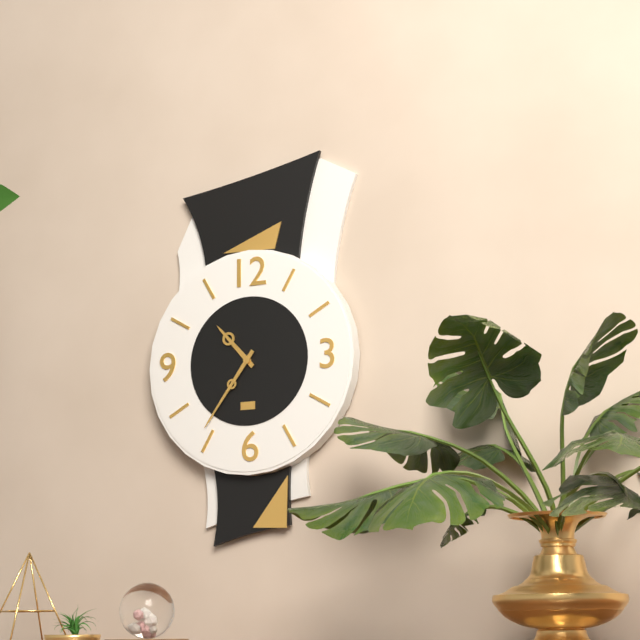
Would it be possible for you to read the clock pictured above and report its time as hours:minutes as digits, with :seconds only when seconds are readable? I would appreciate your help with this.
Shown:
10:36
